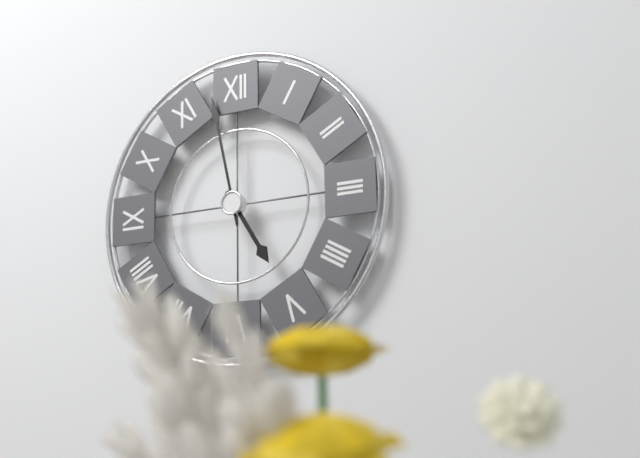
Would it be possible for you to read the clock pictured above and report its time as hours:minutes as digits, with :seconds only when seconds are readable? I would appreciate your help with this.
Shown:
4:58
